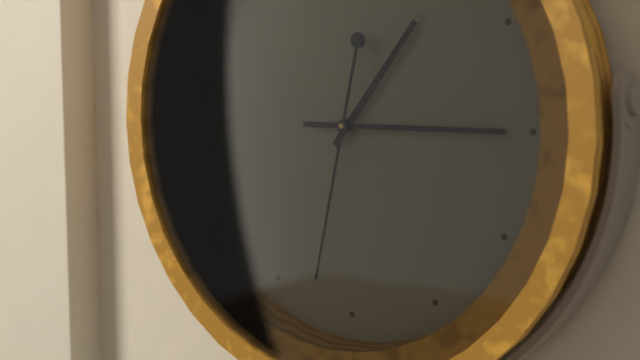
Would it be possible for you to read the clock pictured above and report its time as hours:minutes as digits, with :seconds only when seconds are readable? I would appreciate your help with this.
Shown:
1:15:32
